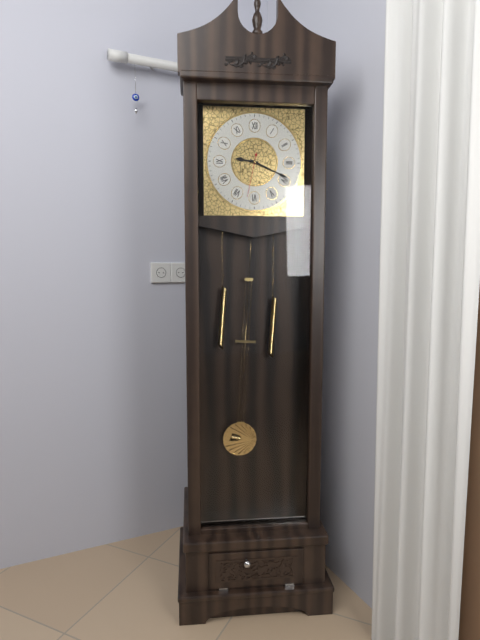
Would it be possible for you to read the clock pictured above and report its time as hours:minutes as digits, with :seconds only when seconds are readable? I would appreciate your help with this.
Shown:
9:19
